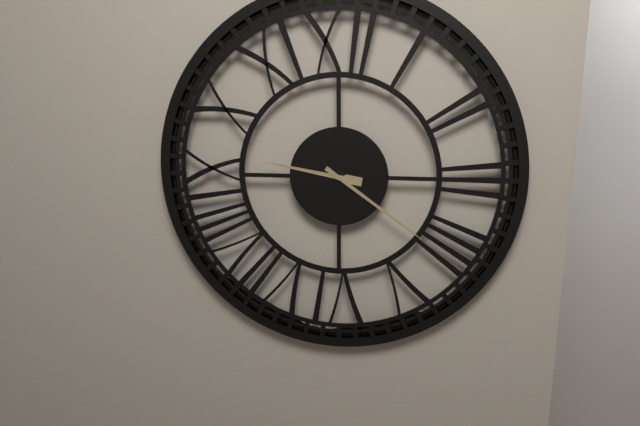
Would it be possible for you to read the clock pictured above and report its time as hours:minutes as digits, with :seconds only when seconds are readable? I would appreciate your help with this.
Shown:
9:21
